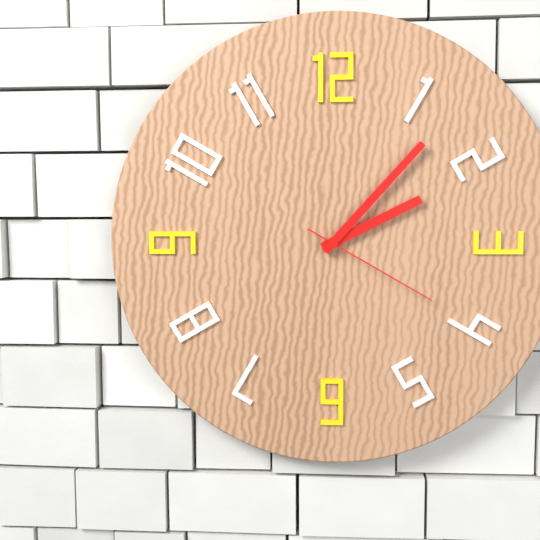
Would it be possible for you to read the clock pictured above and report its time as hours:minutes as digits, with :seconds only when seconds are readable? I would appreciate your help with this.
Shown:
2:07:20
